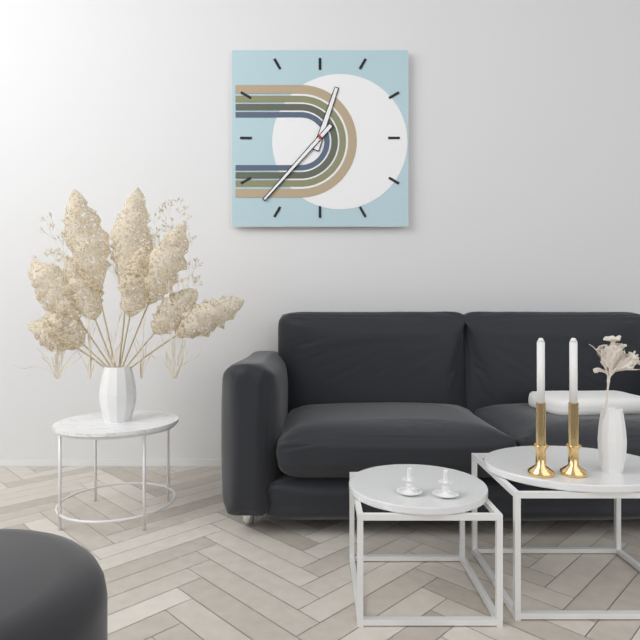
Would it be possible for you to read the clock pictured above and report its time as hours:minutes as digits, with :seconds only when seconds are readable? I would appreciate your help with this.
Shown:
12:37
